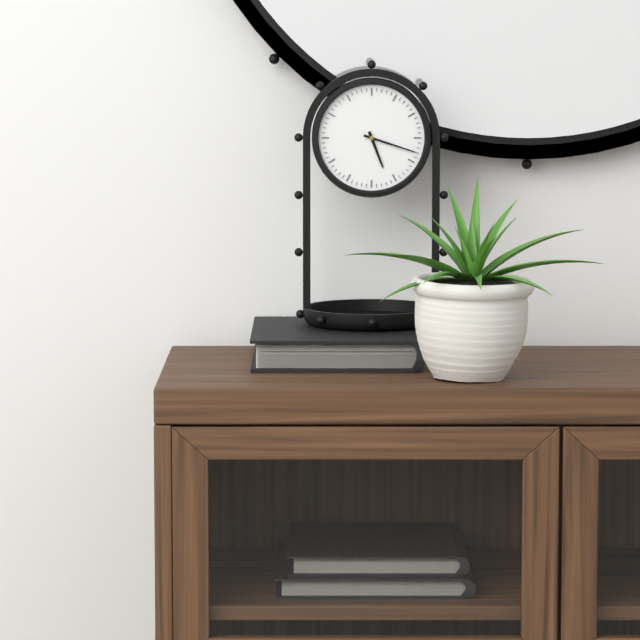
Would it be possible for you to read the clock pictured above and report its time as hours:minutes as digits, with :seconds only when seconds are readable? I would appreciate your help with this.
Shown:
5:18
